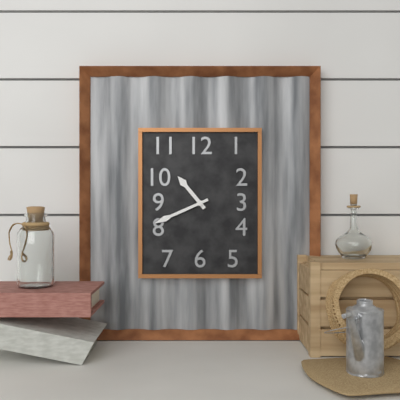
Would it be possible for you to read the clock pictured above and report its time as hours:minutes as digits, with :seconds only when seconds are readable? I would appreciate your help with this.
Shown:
10:41
